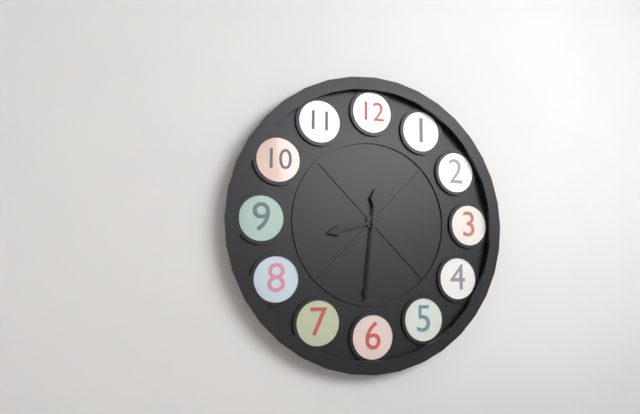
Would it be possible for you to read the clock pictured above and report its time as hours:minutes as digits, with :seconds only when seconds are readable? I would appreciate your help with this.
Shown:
8:31
